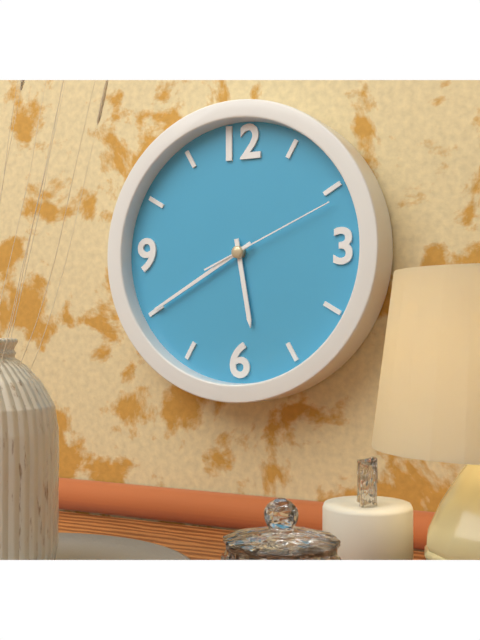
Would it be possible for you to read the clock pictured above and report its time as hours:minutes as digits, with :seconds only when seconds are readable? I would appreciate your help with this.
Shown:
5:40:11
